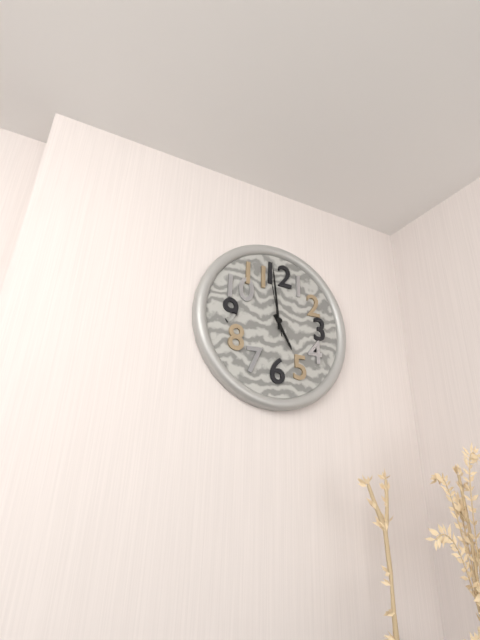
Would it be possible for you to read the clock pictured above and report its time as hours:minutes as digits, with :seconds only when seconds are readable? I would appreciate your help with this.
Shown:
4:59:58
